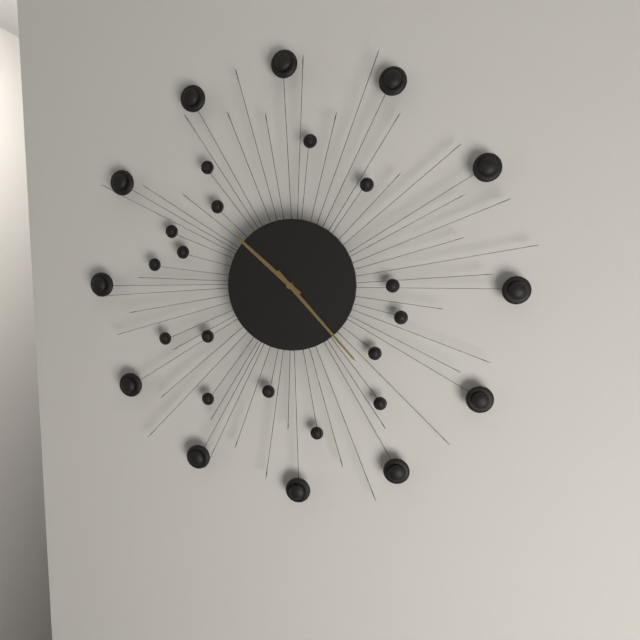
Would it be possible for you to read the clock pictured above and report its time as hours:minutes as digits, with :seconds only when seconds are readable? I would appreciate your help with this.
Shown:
10:23
